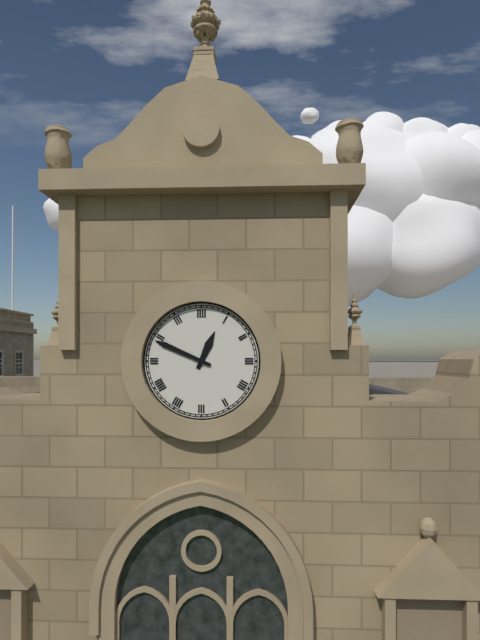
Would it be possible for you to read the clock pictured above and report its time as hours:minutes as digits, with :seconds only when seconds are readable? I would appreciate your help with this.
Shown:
12:49
